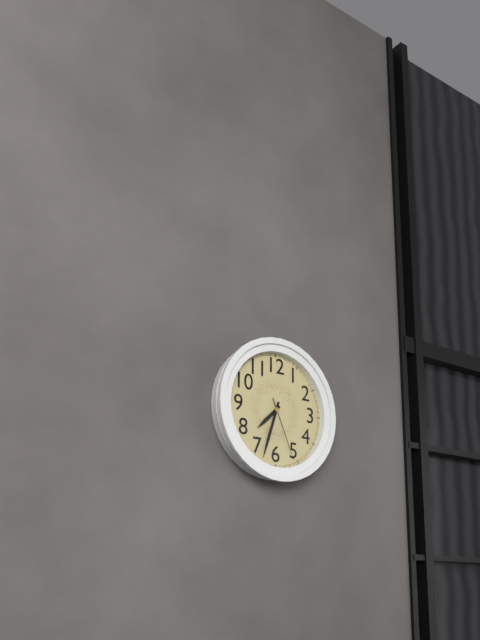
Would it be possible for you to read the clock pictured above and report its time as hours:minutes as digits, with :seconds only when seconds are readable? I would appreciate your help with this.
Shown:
7:33:26
